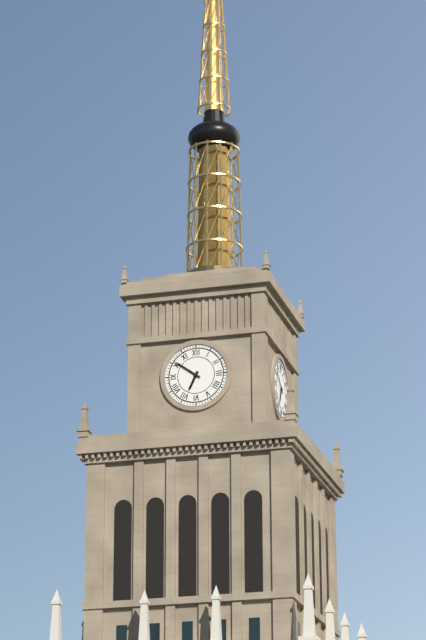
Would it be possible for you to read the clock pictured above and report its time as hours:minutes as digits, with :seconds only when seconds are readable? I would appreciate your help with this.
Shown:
6:51
